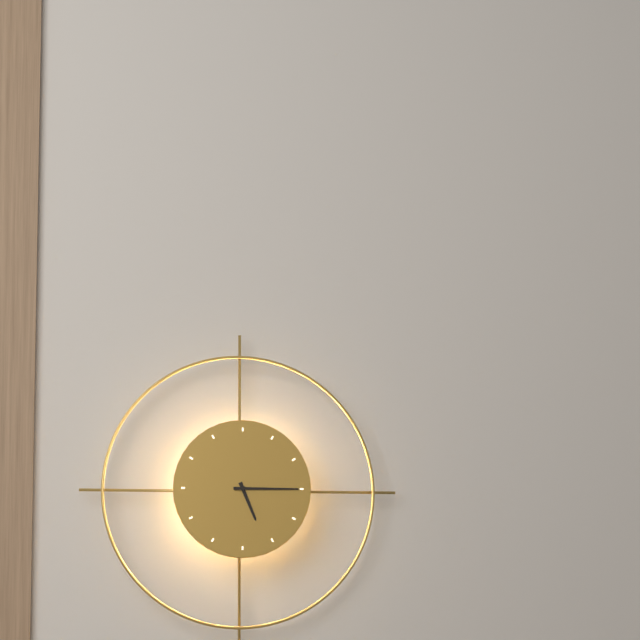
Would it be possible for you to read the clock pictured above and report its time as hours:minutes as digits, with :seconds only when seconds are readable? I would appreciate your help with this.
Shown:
5:15
